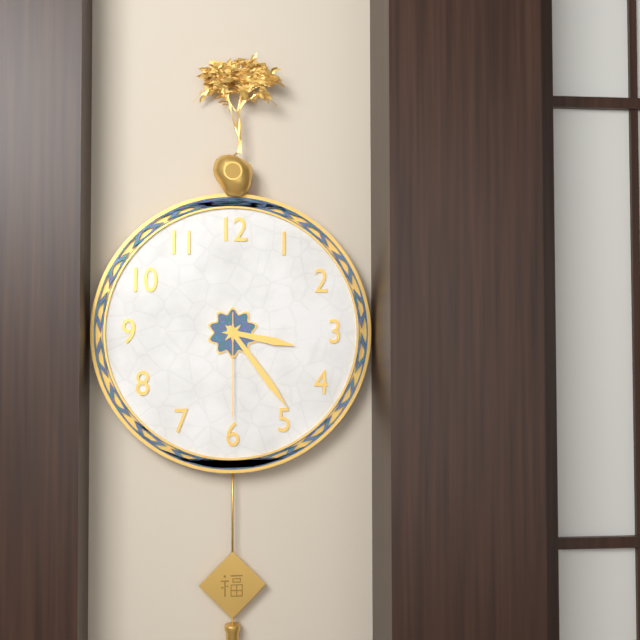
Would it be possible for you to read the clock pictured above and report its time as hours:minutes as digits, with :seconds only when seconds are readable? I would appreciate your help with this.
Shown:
3:24:30
